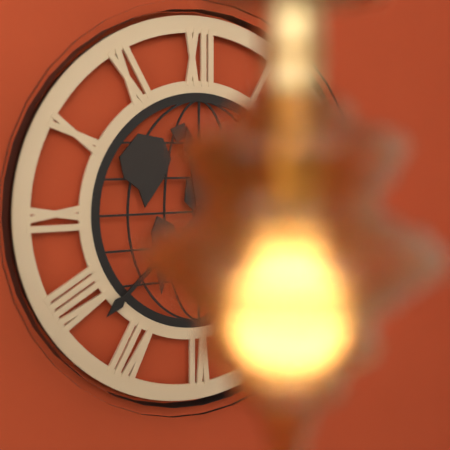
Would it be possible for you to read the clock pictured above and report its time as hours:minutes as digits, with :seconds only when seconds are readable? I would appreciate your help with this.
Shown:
11:38
